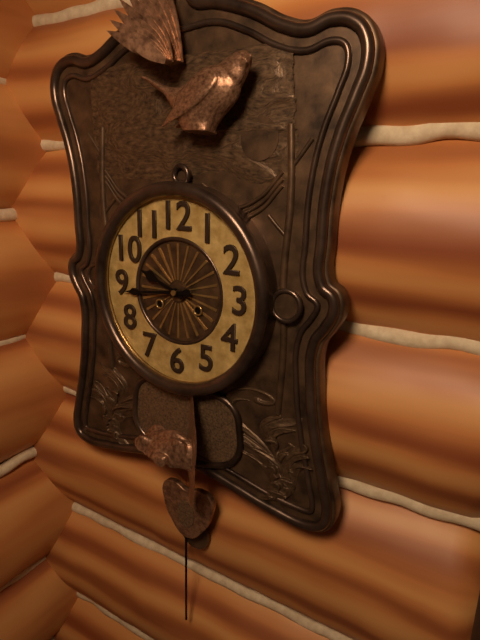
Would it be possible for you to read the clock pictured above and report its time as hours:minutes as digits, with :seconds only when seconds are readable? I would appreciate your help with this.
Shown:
9:44
